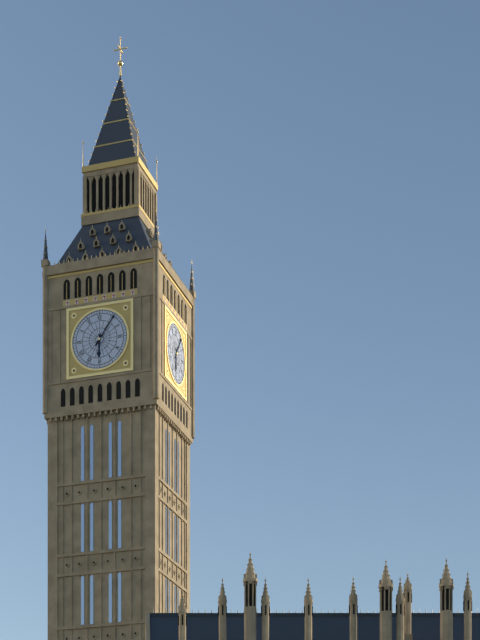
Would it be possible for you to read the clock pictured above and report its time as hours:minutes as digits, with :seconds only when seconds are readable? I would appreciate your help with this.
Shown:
6:06
